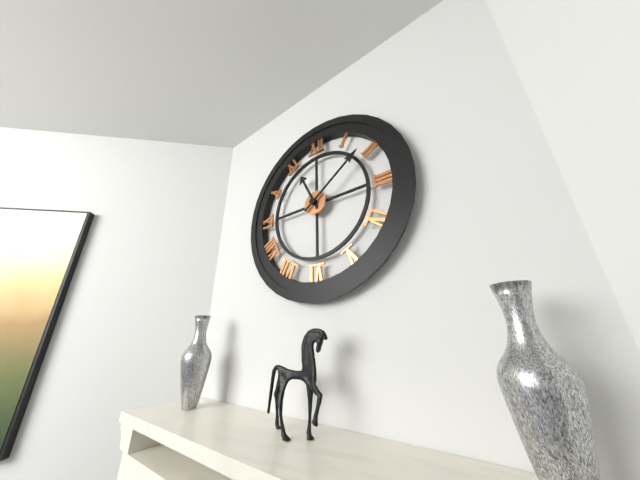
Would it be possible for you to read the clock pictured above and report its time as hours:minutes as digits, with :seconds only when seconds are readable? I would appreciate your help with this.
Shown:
11:09
